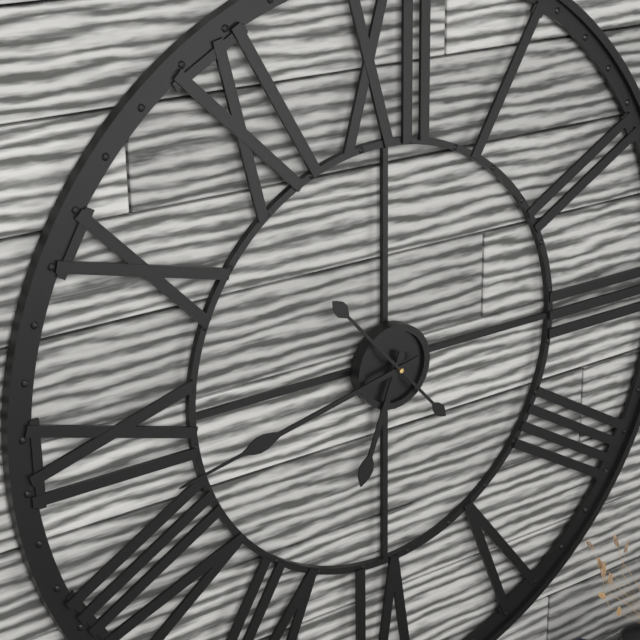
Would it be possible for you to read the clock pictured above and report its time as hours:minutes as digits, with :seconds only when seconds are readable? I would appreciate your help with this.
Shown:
6:43:53
